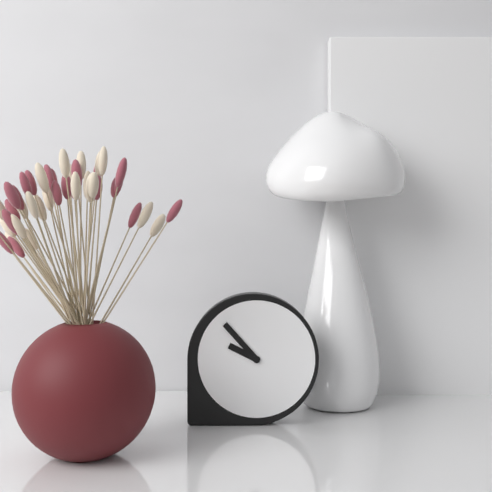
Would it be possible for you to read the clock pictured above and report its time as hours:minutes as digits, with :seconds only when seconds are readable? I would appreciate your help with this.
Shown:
9:53
